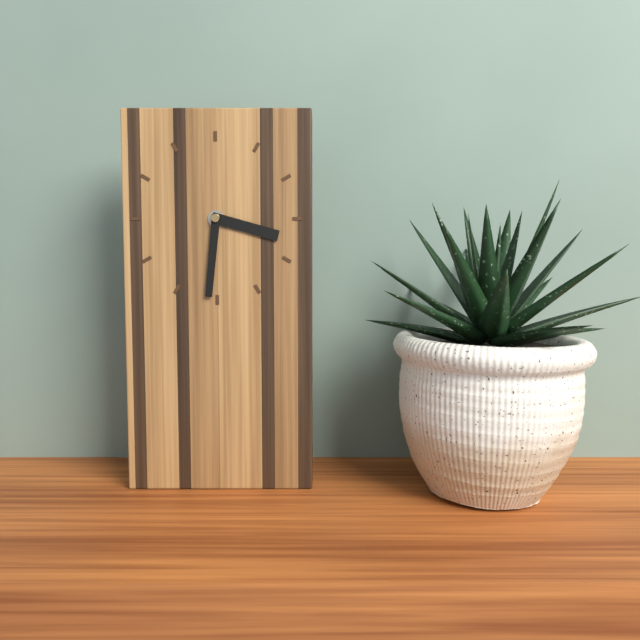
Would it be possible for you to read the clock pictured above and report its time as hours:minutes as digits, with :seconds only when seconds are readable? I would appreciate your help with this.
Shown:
3:31
